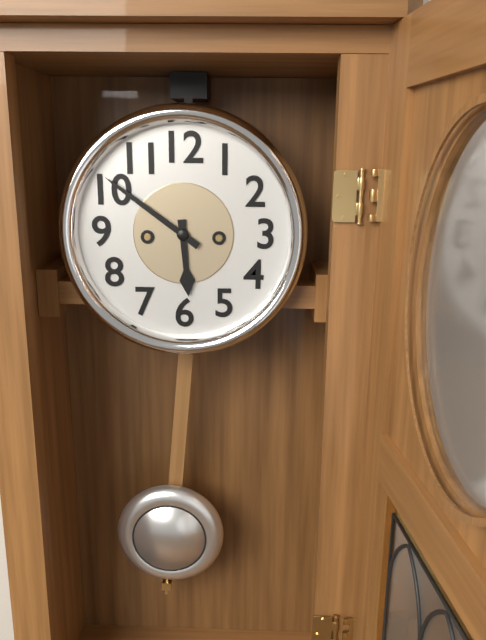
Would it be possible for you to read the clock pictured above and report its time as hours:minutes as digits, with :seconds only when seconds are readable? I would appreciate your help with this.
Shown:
5:51
